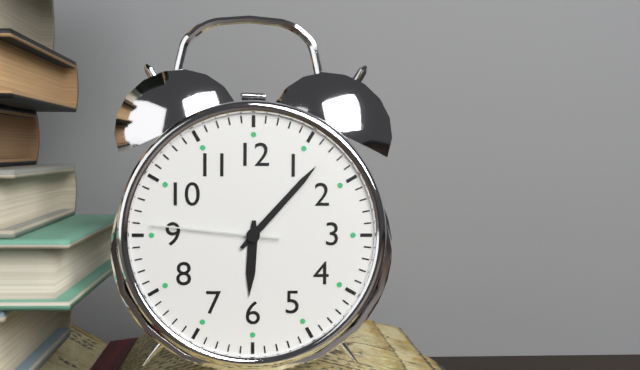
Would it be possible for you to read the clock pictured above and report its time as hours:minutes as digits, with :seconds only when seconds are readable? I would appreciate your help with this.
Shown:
6:07:46
